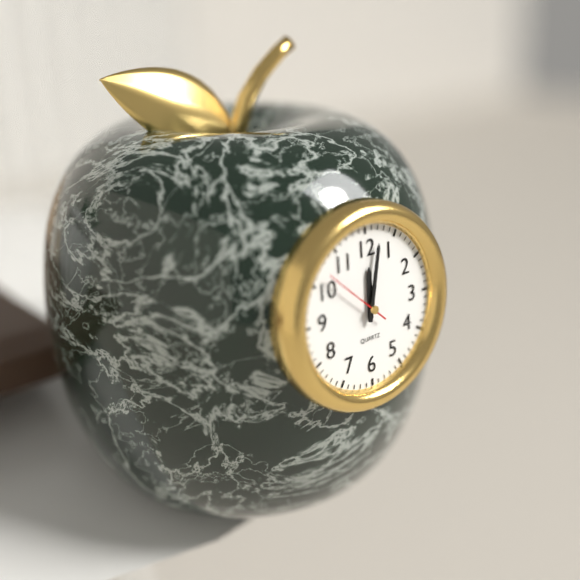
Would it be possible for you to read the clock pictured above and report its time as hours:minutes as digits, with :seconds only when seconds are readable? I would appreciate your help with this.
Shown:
12:02:52
